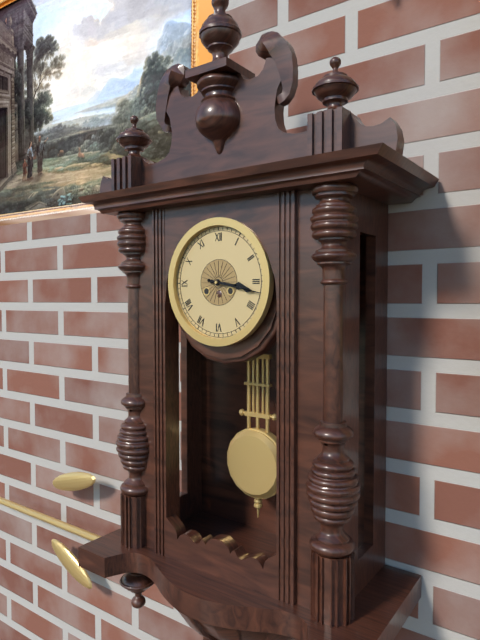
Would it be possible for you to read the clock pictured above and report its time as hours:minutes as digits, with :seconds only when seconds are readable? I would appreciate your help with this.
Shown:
3:17
